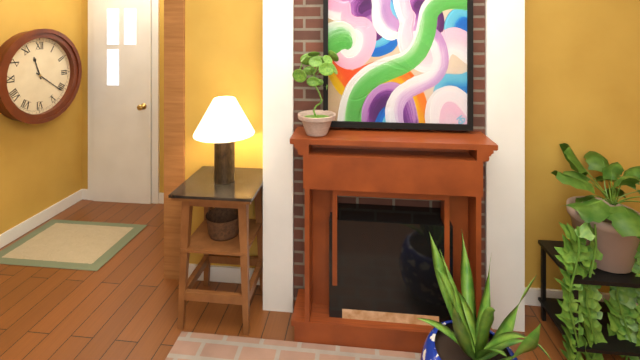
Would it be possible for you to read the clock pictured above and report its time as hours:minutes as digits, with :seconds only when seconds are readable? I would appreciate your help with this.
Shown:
11:21
